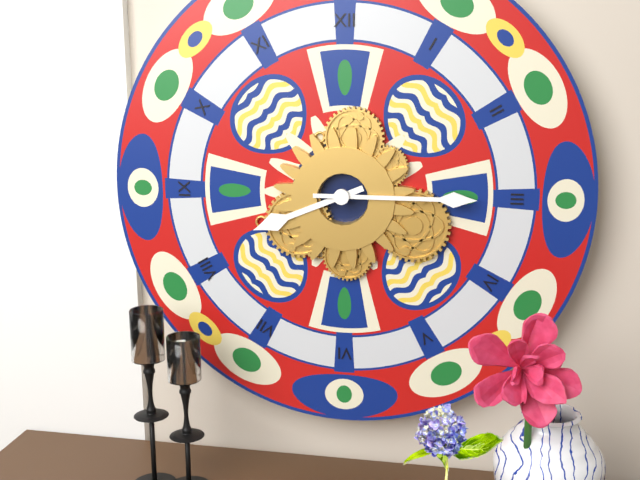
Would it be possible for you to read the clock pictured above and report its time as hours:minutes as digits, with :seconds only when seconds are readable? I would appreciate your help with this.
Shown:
8:15
